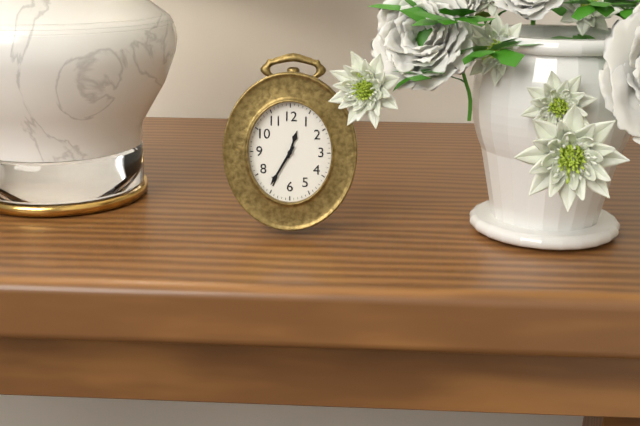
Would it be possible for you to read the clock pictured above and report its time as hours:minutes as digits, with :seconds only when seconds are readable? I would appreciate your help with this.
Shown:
12:35
